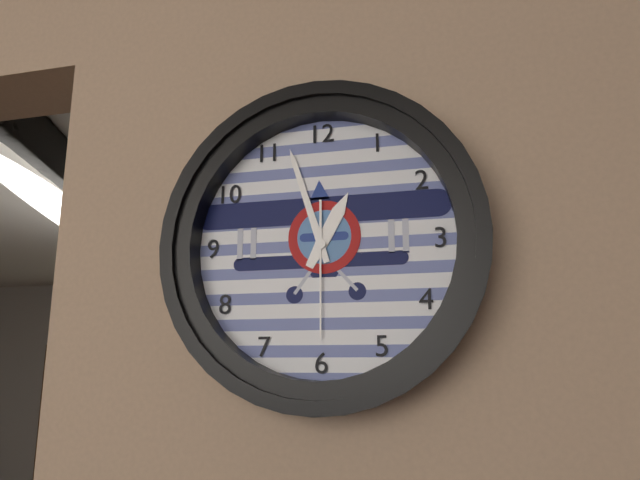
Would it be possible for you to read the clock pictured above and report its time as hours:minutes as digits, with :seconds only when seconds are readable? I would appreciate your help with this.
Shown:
12:57:30
